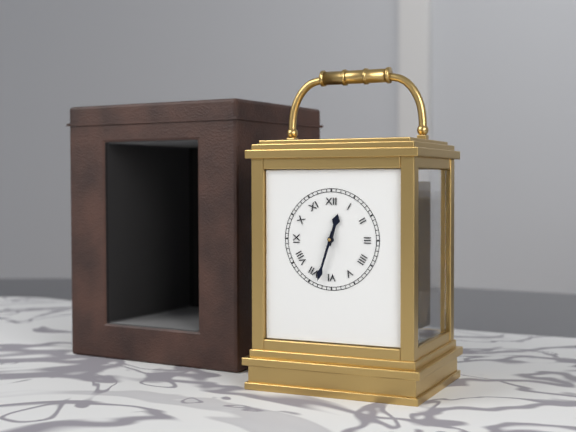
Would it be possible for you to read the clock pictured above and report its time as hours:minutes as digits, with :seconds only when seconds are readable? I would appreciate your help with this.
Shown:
12:33
